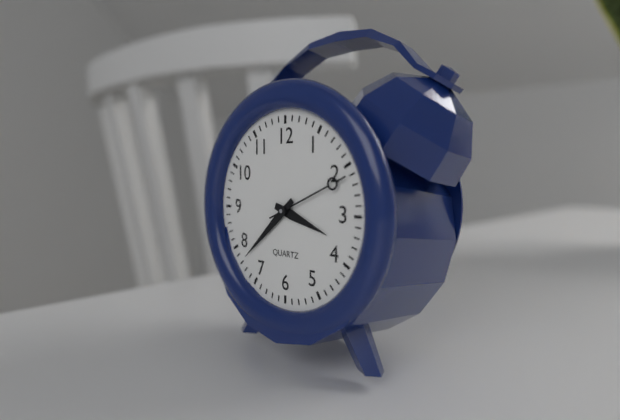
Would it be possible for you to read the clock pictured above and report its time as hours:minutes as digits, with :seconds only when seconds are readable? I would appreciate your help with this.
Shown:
3:38:11
